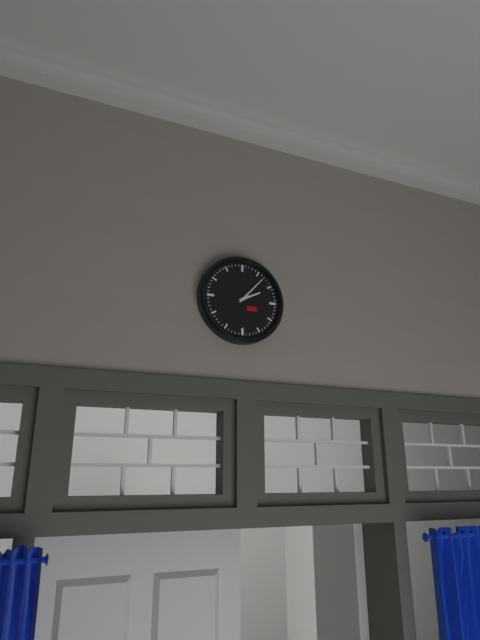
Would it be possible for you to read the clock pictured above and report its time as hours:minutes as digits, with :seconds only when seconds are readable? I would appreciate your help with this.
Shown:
2:07
